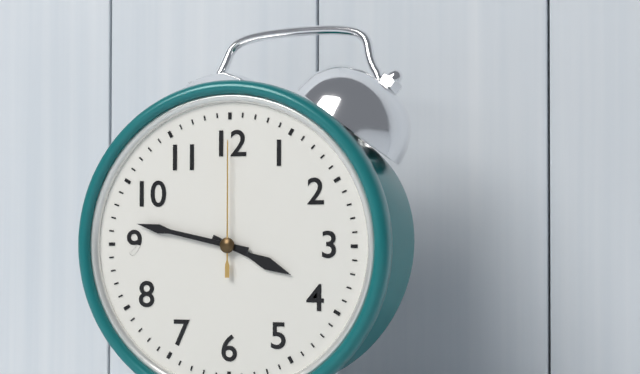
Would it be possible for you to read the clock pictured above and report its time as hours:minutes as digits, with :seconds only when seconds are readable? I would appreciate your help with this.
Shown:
3:47:00
